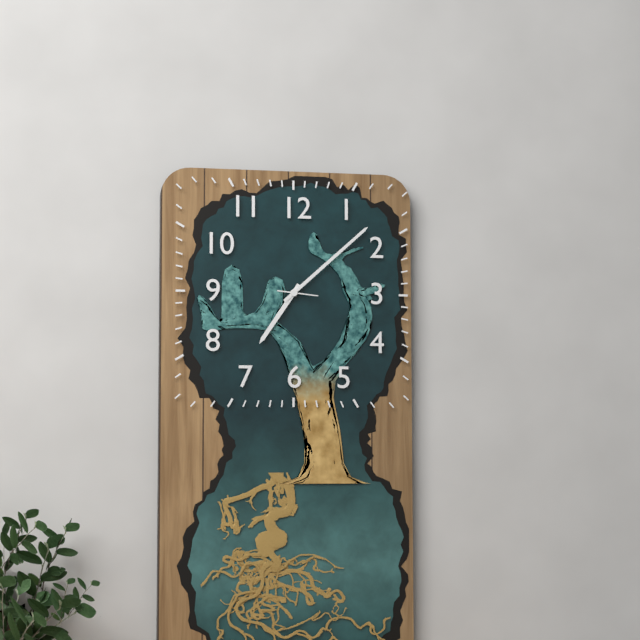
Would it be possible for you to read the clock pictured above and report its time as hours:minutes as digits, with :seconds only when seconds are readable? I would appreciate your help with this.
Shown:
7:08
